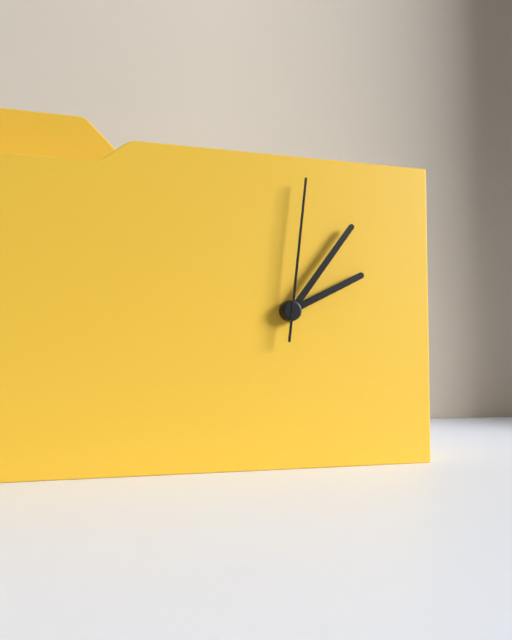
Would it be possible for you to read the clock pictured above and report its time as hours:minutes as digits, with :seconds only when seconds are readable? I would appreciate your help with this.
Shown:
2:06:01
